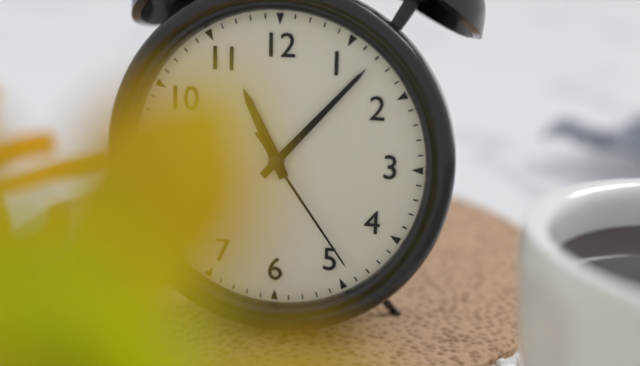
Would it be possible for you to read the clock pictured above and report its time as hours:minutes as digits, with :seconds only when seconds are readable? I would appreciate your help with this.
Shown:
11:07:24
